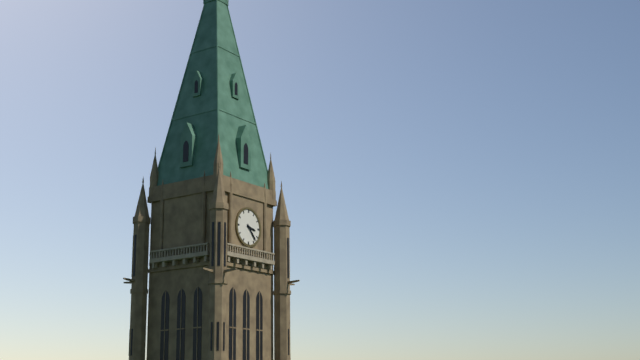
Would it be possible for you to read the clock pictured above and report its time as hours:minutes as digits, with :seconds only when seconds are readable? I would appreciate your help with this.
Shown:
3:23
